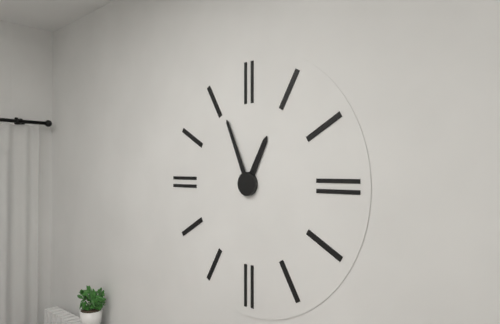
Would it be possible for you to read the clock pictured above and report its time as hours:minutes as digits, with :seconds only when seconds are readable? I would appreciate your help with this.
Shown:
12:56
